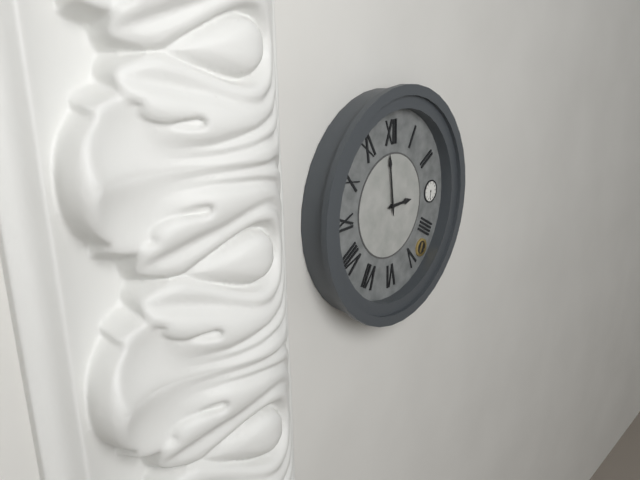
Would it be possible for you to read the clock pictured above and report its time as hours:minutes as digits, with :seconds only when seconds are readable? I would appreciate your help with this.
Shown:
2:59
